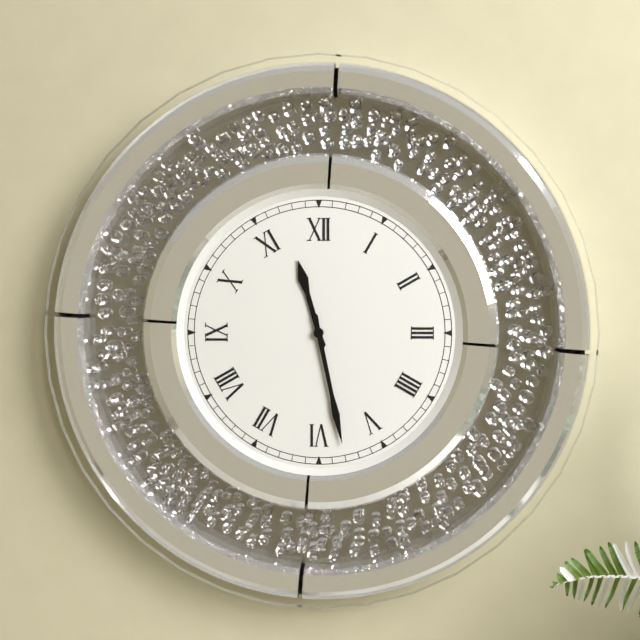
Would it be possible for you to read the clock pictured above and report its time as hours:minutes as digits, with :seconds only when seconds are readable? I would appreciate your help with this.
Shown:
11:28
